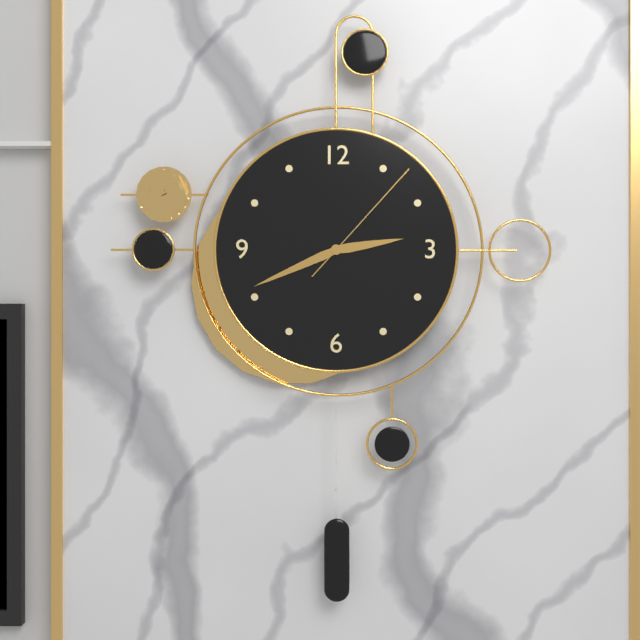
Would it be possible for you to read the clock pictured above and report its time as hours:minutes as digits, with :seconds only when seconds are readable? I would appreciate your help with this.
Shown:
2:41:07
